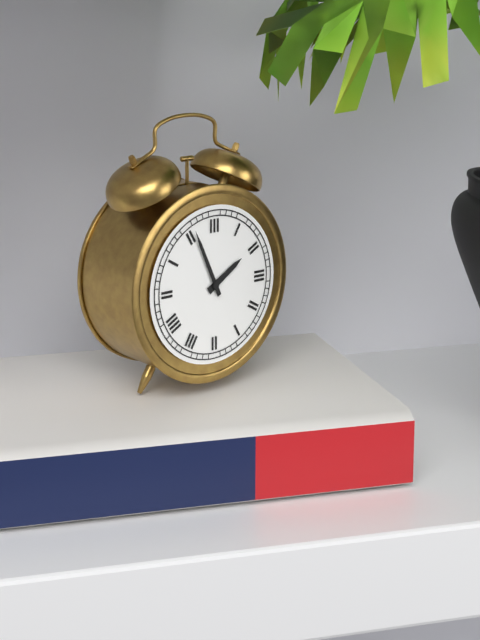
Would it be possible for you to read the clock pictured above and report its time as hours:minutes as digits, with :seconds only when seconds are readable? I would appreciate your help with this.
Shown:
1:56
